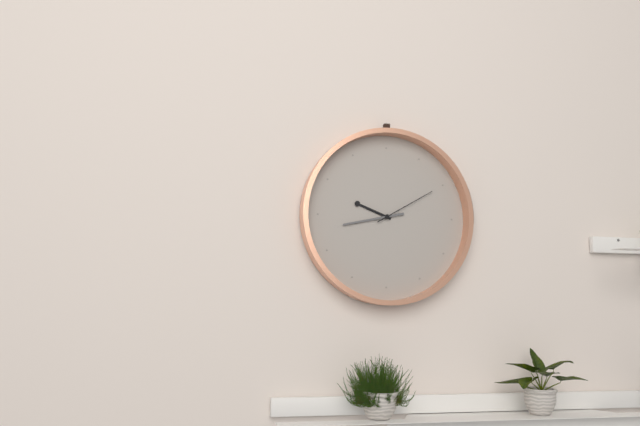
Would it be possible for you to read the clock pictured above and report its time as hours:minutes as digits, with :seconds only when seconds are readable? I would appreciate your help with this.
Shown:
9:43:10
